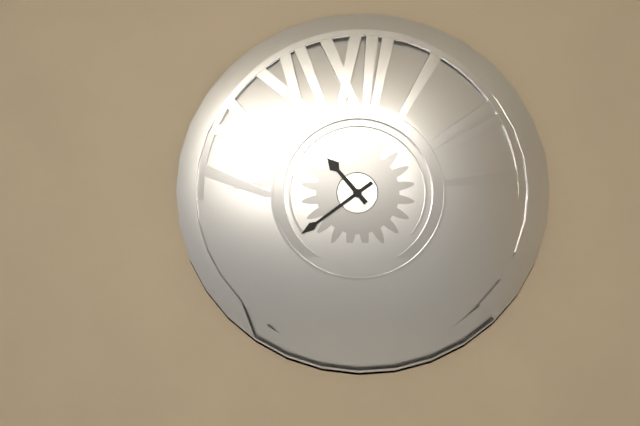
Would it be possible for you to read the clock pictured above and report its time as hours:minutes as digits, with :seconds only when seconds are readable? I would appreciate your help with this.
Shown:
10:39
